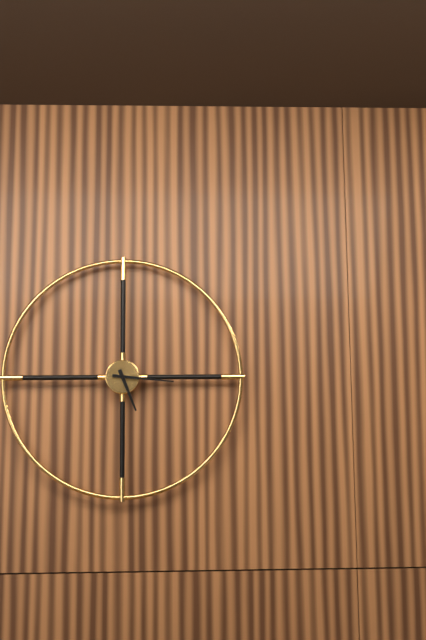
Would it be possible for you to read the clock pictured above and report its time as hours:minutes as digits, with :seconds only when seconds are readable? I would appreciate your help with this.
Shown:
5:16
